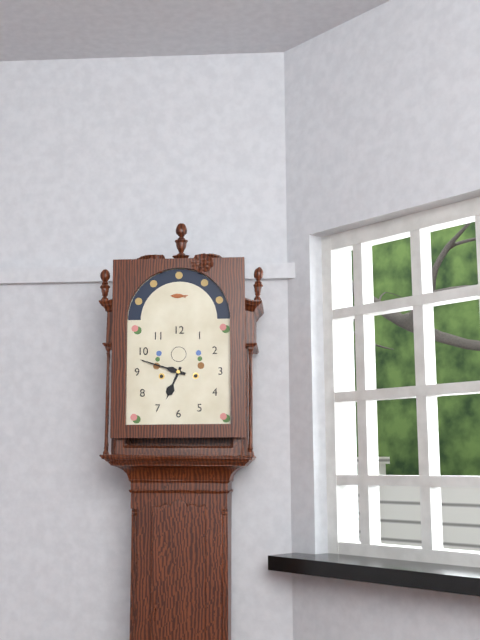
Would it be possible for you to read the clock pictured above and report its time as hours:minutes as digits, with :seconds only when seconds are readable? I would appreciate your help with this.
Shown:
6:48
